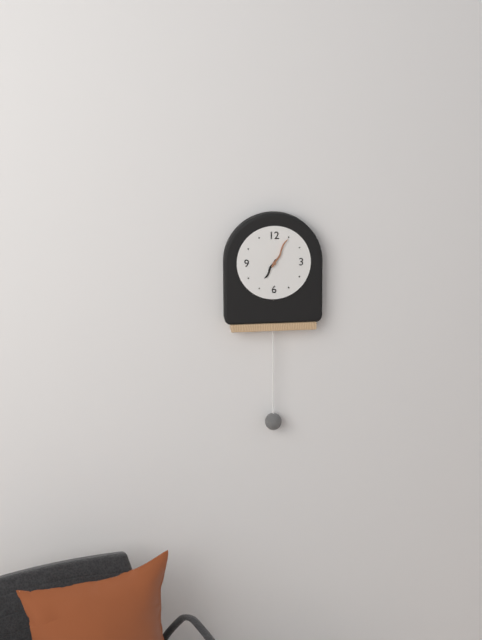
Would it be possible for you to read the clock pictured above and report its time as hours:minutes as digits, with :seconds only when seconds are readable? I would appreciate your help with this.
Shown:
7:05
